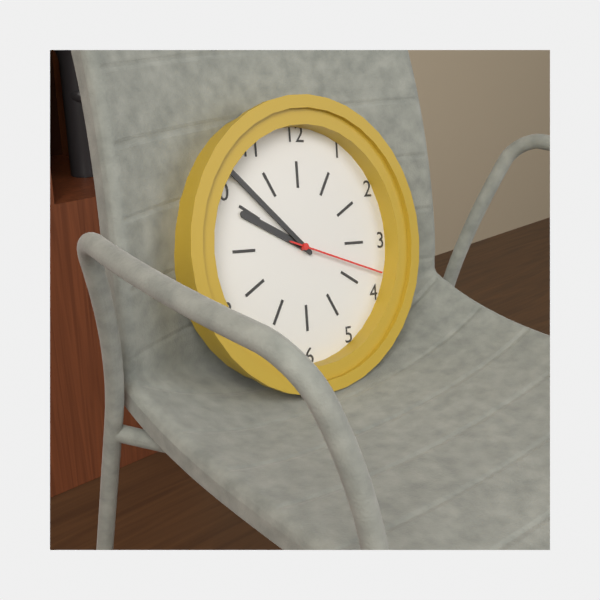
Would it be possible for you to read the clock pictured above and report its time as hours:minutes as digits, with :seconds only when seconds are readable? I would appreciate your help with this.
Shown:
9:52:18
